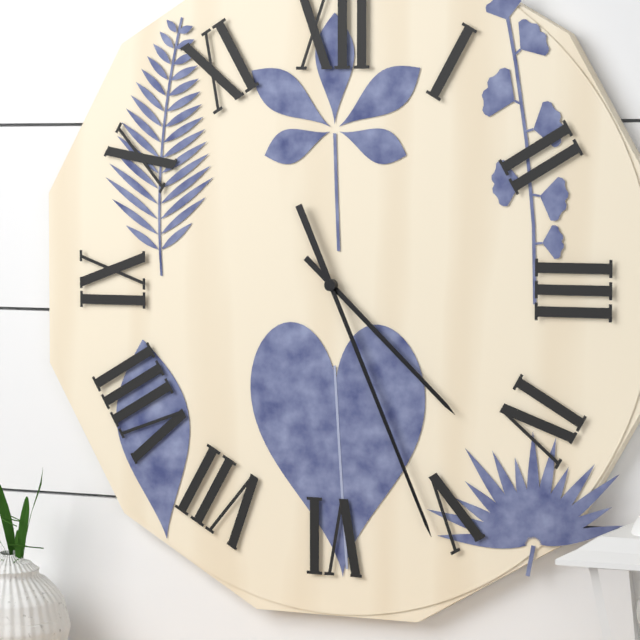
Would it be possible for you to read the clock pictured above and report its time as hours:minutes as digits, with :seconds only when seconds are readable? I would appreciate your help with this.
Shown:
4:26
